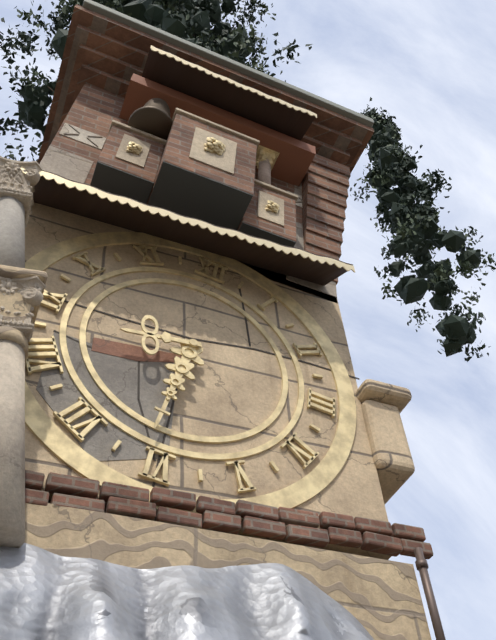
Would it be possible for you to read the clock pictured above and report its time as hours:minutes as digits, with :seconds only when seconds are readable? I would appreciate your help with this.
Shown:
8:31
